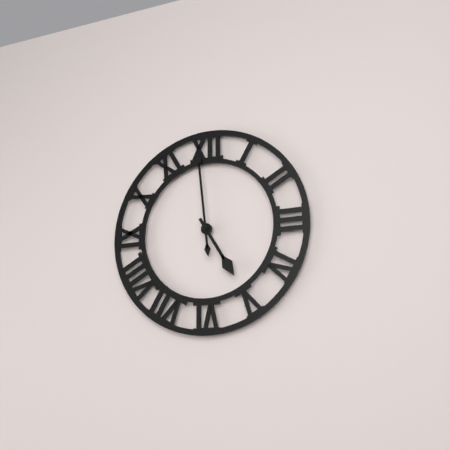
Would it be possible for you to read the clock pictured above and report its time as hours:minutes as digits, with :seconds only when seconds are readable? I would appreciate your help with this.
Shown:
4:59
